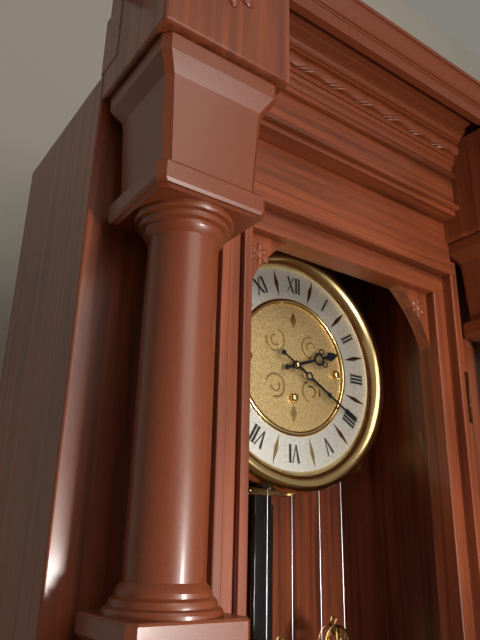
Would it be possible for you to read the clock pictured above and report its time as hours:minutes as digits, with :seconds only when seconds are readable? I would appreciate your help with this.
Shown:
2:20
